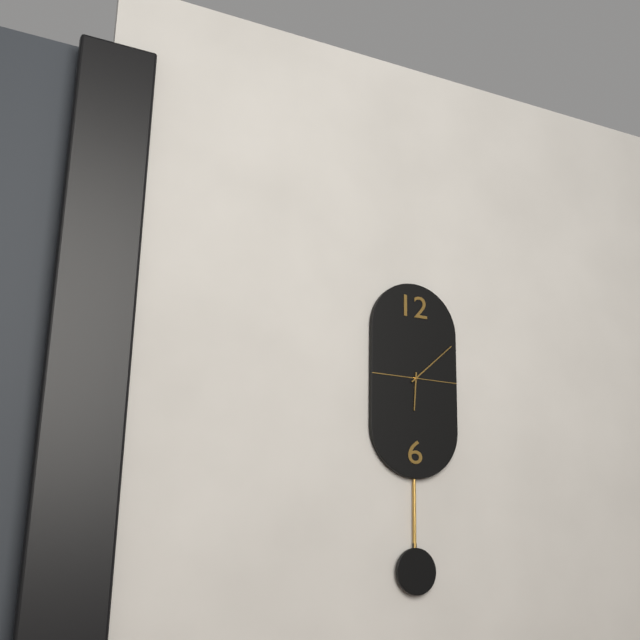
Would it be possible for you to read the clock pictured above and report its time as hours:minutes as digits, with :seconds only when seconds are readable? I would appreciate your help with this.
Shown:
6:08
